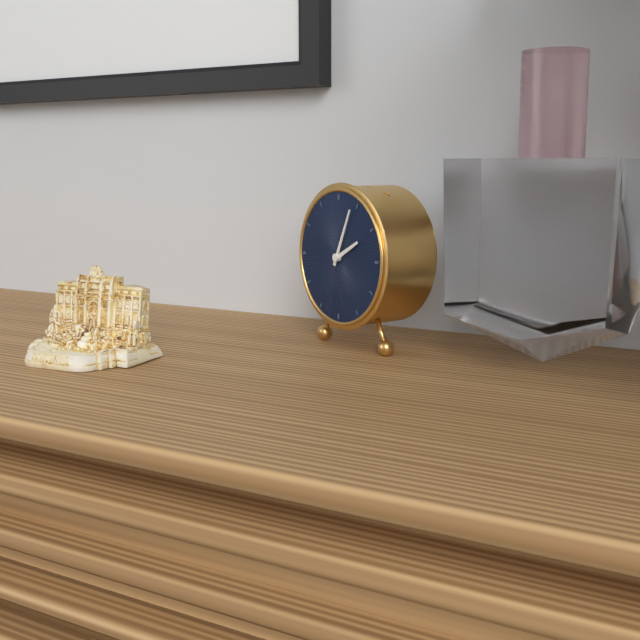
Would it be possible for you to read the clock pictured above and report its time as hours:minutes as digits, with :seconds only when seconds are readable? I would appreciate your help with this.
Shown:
2:04
